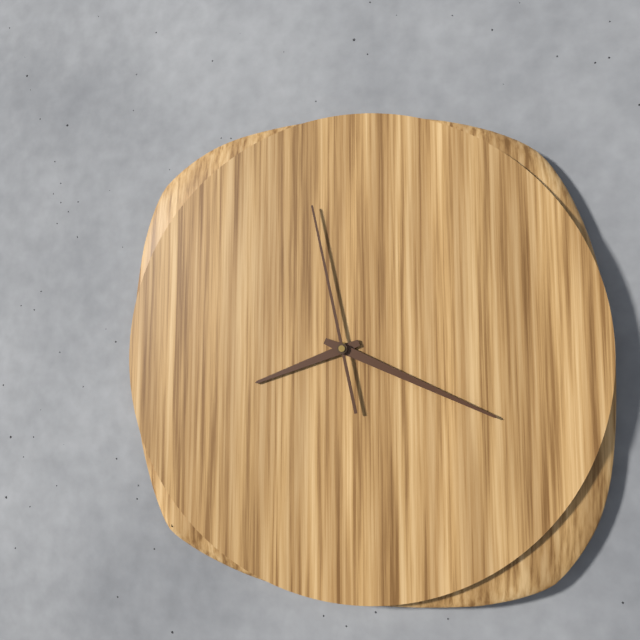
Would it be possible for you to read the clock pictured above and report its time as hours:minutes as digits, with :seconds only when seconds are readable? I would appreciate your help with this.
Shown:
8:19:58
